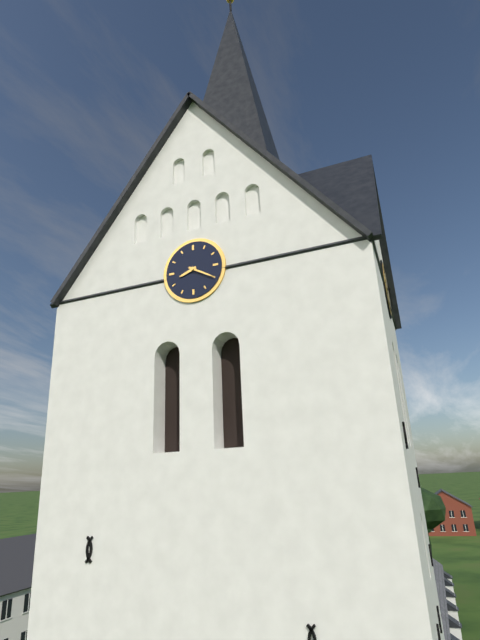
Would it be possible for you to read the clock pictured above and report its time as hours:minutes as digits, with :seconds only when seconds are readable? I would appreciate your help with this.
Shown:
8:20
